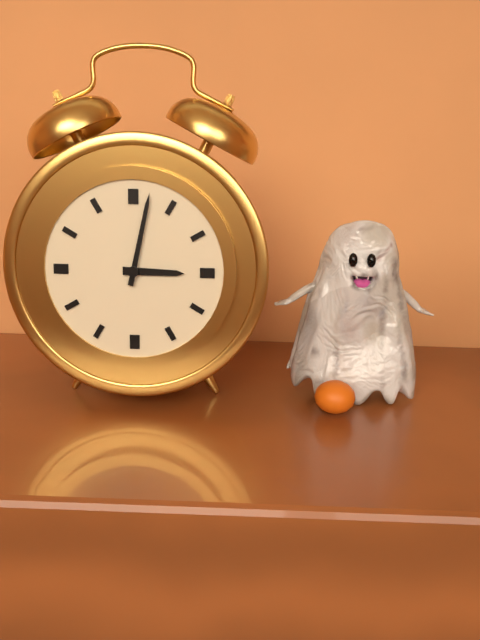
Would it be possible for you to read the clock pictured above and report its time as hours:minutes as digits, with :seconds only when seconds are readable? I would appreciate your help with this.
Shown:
3:02
